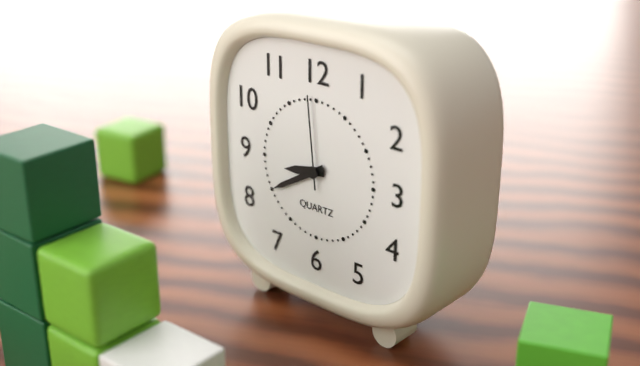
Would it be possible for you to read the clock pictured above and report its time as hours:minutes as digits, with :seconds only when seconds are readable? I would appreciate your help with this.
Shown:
8:40:59
